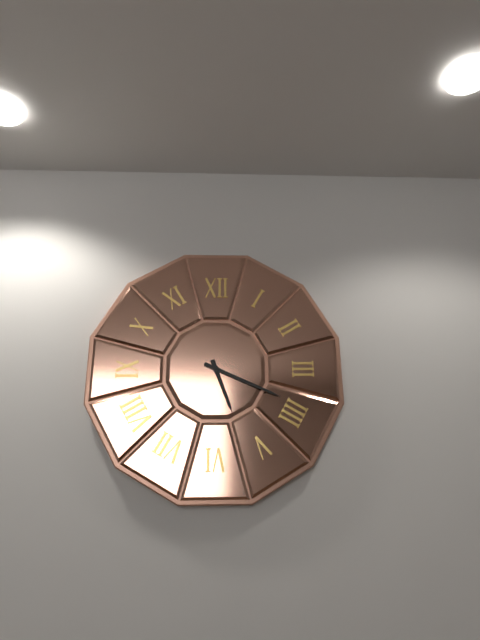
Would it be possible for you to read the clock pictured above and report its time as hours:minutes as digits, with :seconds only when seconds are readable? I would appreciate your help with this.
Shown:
5:19
